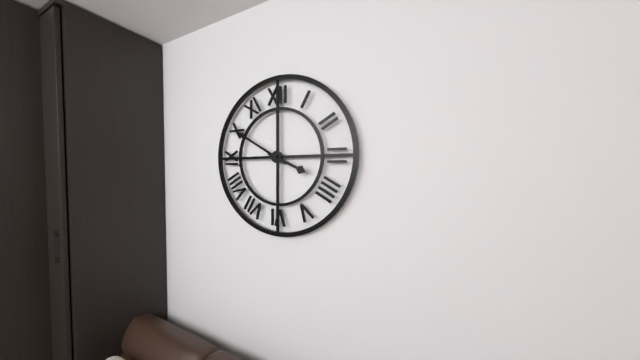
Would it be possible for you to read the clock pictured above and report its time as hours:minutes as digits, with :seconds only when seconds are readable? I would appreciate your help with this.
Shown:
3:50
